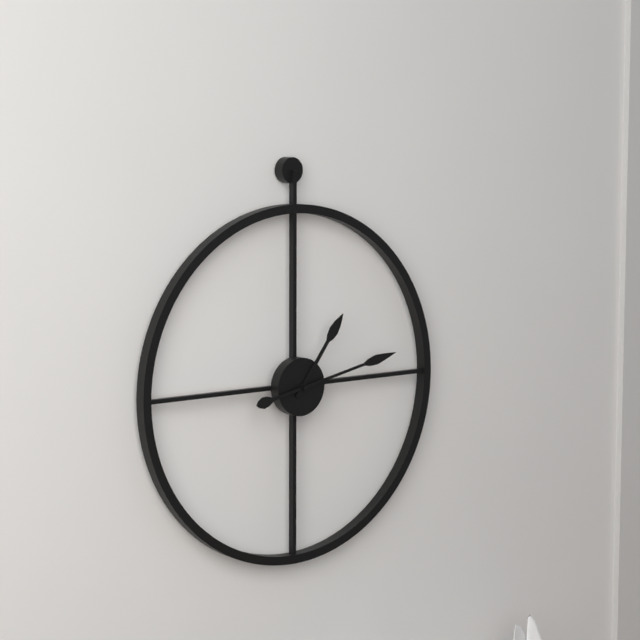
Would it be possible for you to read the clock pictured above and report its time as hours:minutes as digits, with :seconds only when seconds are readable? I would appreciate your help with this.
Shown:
1:13
